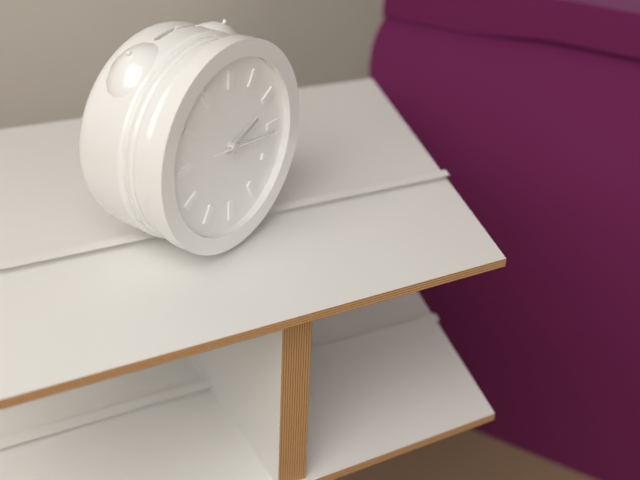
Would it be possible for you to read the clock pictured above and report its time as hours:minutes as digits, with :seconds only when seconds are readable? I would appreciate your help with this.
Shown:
2:16:16
